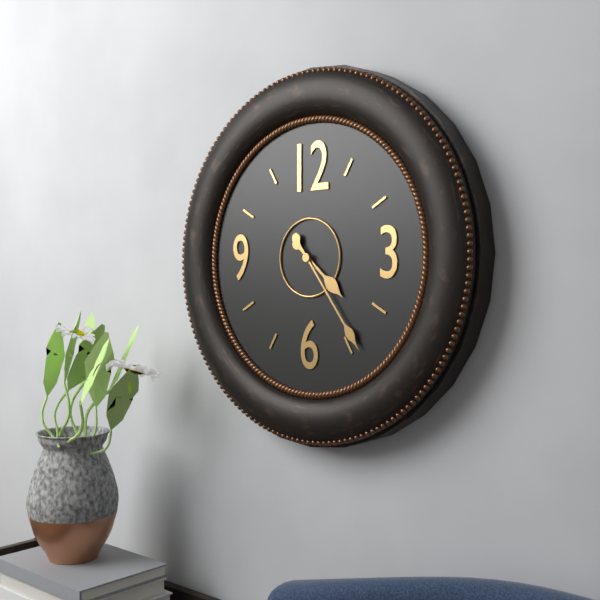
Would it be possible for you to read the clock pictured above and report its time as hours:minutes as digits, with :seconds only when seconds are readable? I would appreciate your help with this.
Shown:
4:24
